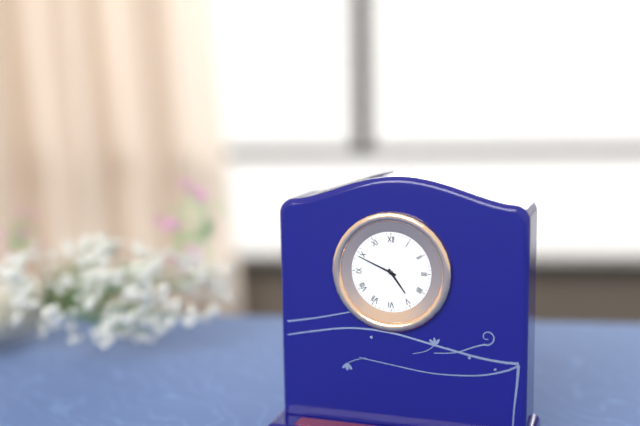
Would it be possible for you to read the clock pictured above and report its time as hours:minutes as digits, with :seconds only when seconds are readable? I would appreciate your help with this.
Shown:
4:49
